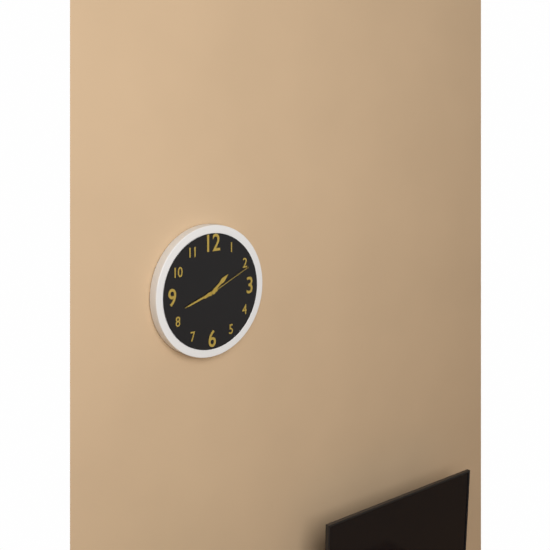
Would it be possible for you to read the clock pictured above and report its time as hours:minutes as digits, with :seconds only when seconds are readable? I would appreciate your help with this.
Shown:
1:42:11
